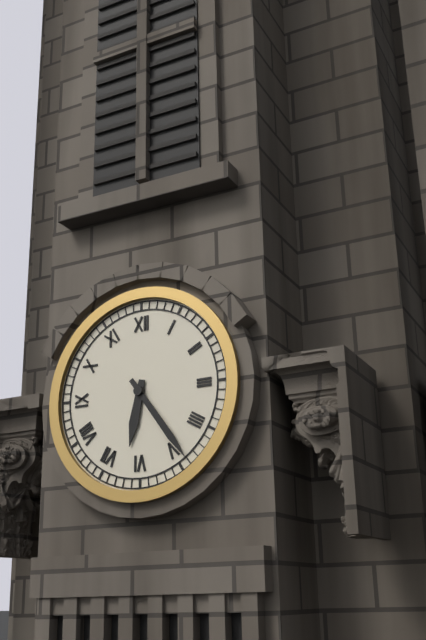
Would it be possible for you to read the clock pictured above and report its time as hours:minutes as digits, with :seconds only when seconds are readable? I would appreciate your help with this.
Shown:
6:24
